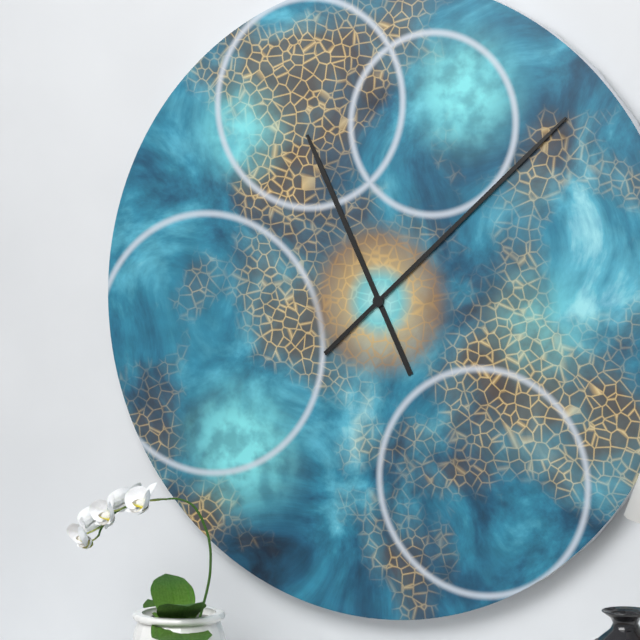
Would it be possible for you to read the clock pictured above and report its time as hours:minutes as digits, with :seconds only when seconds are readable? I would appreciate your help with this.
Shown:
11:08
